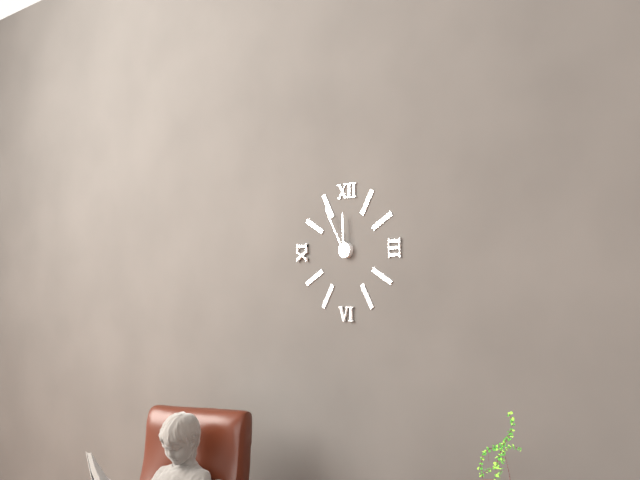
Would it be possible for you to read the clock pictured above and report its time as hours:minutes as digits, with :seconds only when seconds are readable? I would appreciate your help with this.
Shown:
11:55
